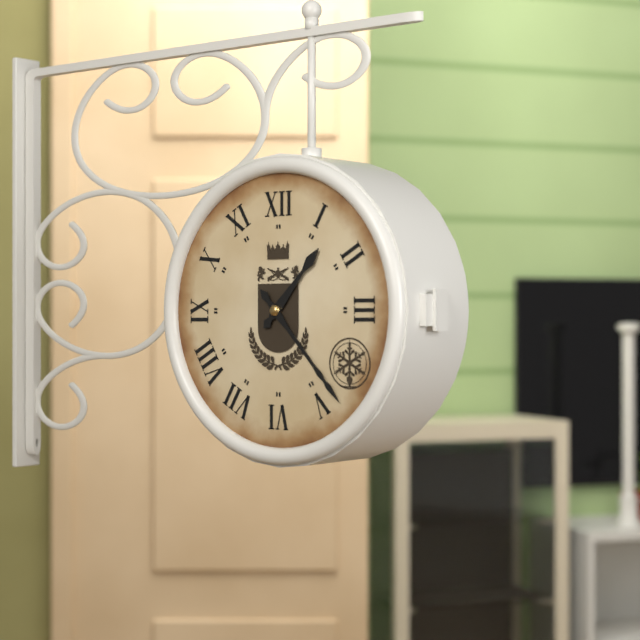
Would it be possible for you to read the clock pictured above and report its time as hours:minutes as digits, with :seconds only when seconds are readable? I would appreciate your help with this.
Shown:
1:23
